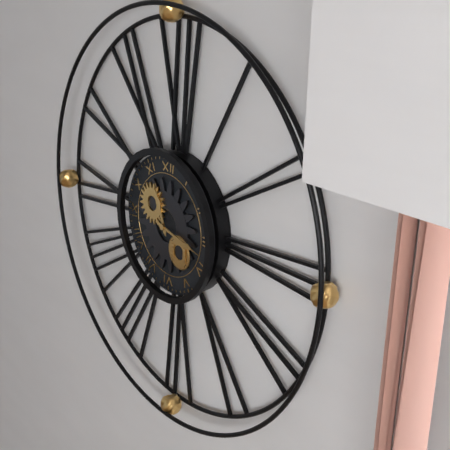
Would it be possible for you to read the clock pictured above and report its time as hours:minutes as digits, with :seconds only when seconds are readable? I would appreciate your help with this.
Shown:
11:17
